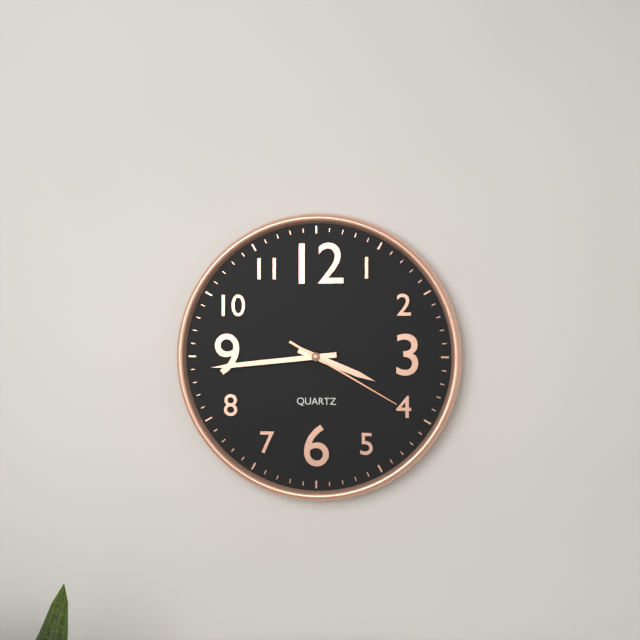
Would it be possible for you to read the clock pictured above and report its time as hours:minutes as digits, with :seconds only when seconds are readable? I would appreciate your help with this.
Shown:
3:44:20
